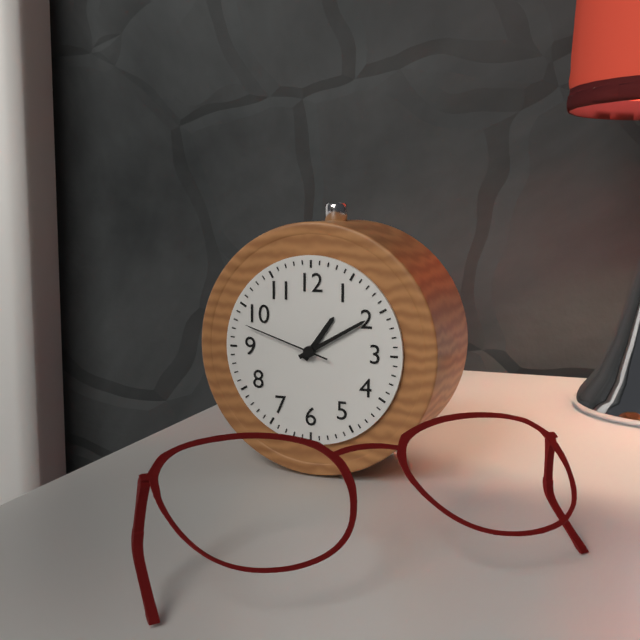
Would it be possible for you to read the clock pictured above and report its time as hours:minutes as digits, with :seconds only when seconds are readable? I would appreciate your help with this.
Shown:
1:10:48
